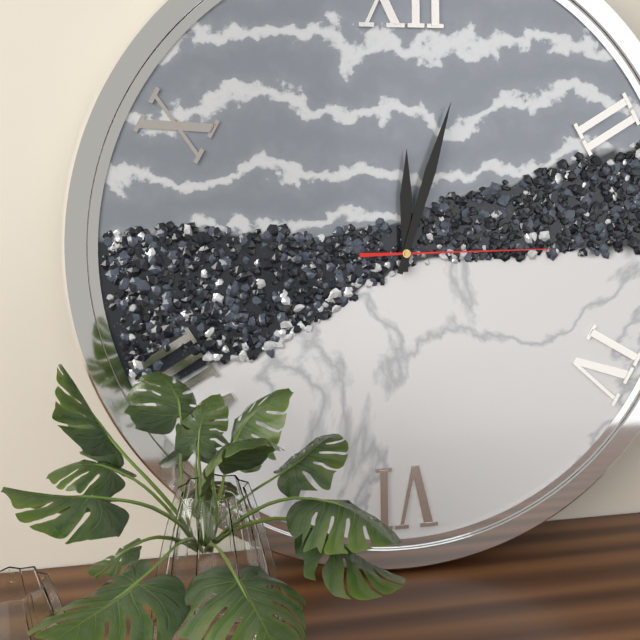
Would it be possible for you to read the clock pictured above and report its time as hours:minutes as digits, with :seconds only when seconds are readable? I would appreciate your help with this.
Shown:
12:03:15
